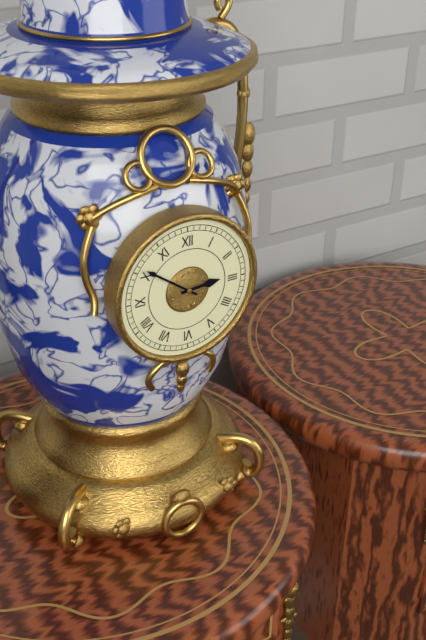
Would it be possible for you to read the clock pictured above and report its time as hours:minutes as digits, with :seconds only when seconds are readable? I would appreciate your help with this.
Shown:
2:51
